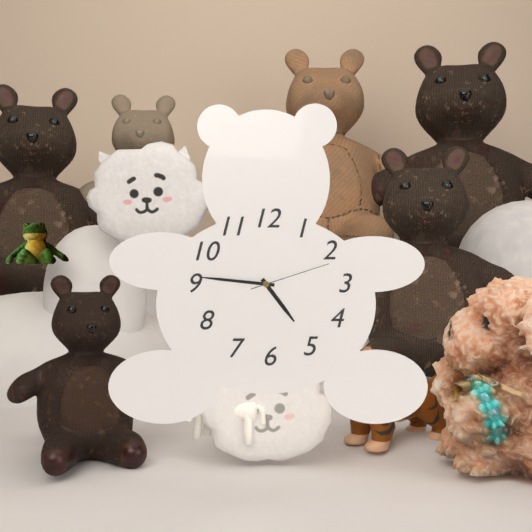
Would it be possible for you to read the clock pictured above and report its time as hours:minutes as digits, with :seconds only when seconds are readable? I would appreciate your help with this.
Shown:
4:46:12
